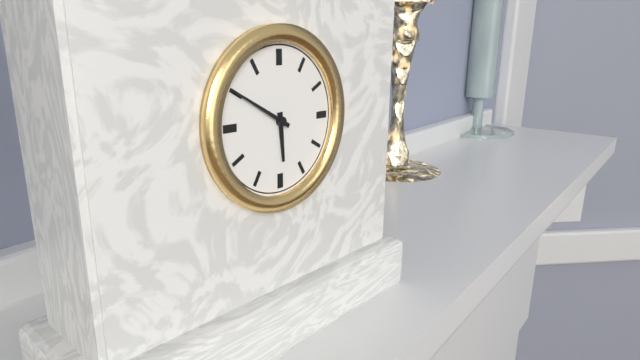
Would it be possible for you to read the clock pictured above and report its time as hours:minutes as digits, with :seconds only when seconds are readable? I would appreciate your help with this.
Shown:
5:50
